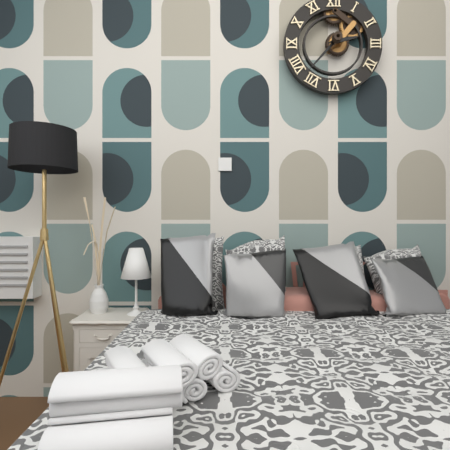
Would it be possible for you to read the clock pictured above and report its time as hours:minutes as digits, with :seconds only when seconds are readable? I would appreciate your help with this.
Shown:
2:37
